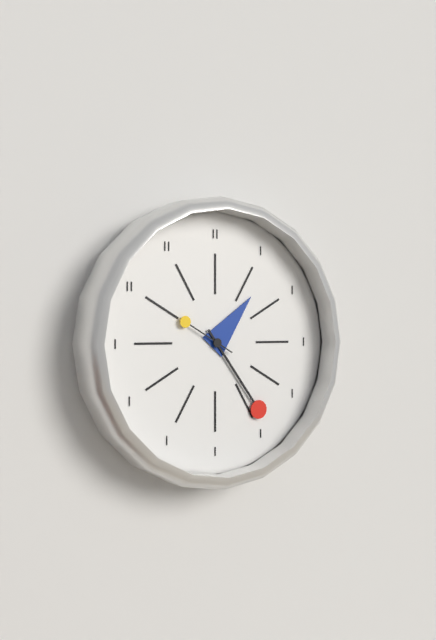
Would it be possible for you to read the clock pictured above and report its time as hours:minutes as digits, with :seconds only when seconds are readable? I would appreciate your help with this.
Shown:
1:24:50
